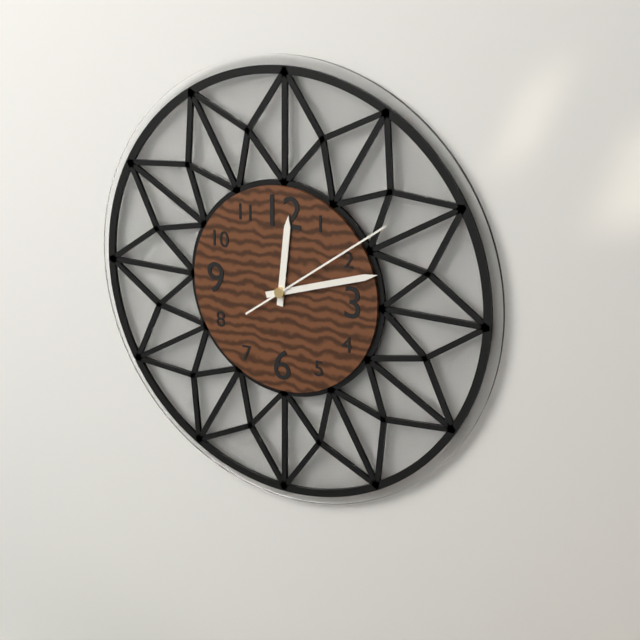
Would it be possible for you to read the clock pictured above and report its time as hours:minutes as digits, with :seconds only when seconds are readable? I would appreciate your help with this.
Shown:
12:12:09
